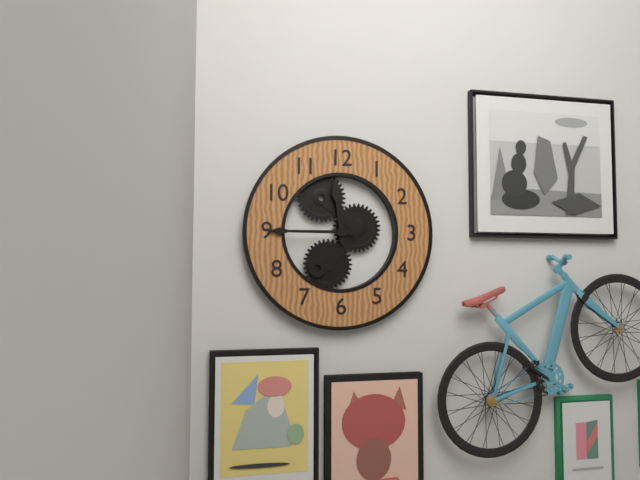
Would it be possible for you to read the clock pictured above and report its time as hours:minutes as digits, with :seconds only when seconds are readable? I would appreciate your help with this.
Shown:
11:45
